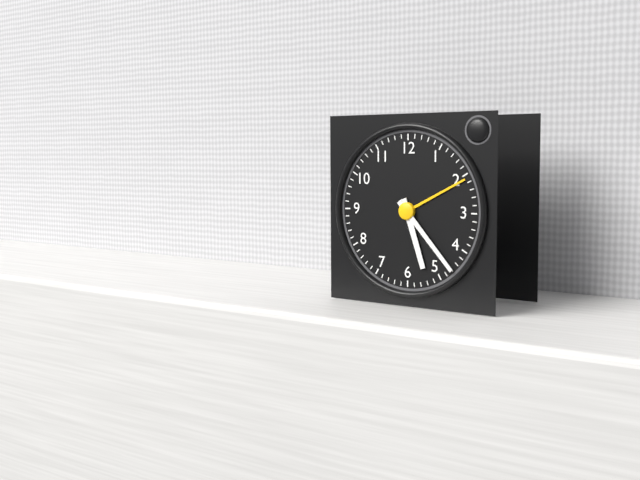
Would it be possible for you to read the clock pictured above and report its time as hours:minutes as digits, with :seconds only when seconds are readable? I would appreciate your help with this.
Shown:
5:23
